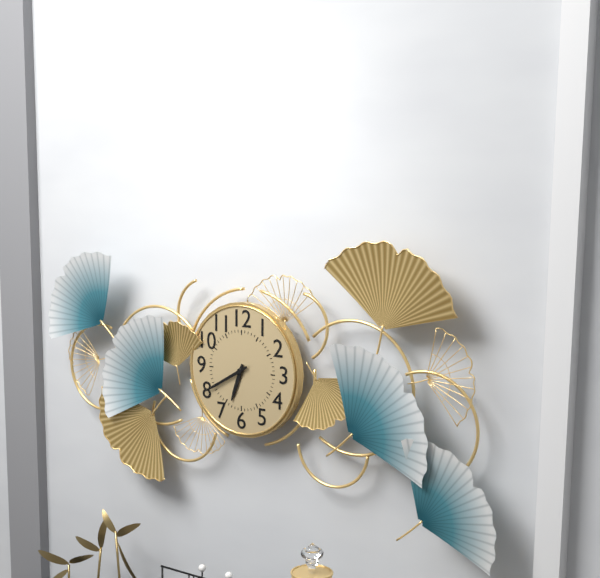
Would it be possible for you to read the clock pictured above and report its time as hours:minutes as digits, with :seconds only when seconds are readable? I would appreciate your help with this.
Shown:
6:40
